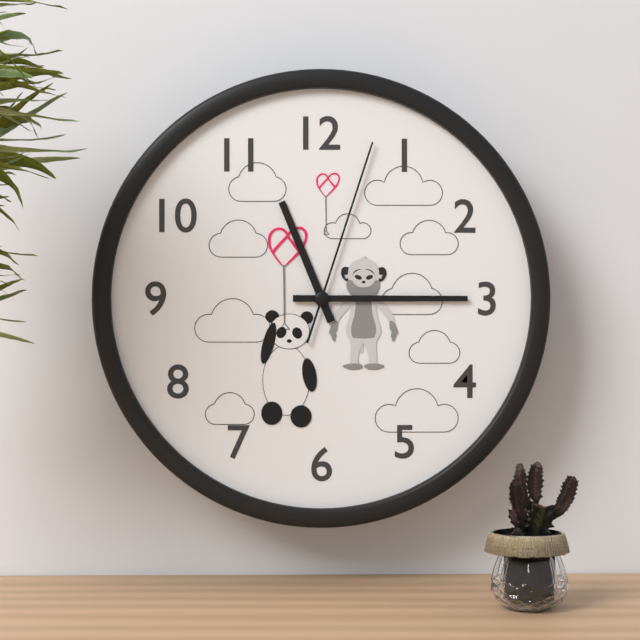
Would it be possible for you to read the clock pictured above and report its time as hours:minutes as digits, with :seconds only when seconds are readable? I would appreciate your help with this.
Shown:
11:15:03
